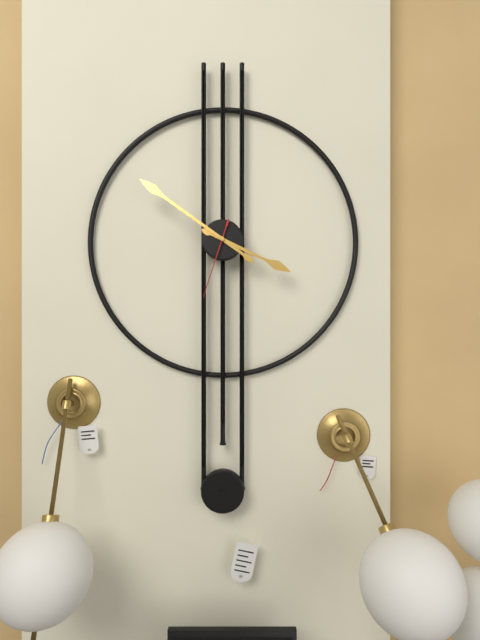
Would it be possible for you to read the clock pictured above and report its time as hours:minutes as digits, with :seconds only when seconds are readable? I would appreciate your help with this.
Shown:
3:51:33
